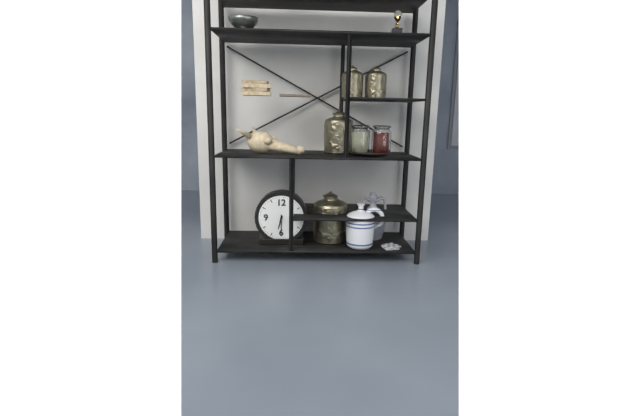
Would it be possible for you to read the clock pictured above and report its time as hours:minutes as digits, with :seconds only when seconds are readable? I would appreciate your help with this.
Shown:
6:30
